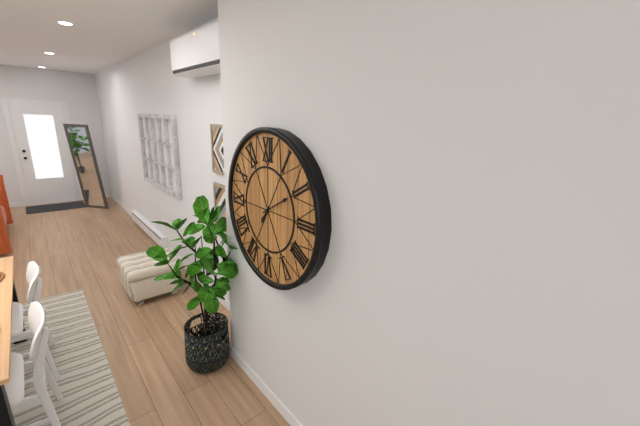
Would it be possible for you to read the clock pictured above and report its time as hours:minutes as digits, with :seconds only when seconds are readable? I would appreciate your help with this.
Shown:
7:10
